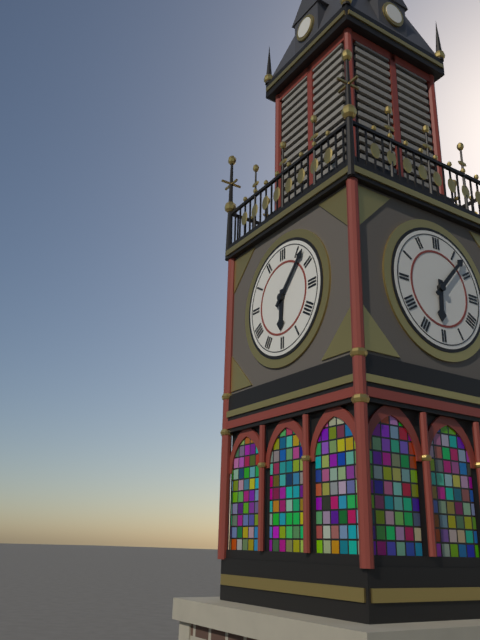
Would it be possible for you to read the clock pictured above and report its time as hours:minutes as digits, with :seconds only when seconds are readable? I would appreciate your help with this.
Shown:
6:07
